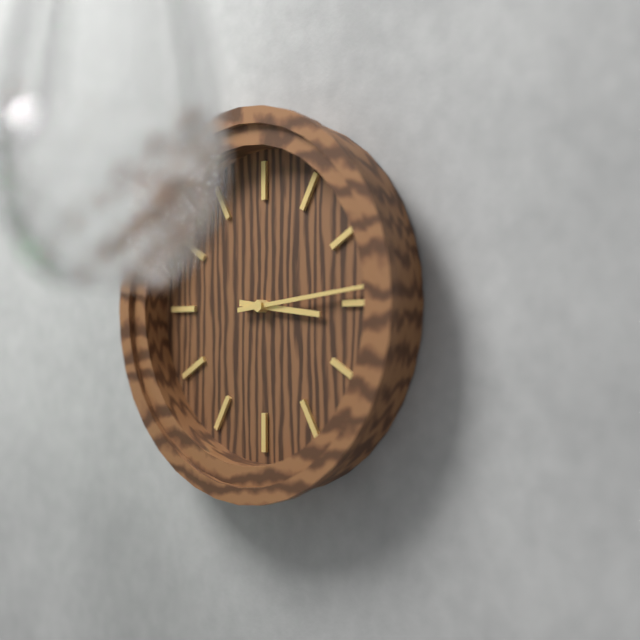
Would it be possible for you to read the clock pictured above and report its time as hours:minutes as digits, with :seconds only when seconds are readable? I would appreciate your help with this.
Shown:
3:14
